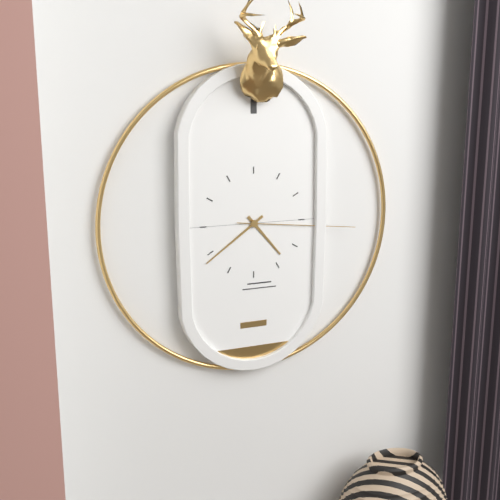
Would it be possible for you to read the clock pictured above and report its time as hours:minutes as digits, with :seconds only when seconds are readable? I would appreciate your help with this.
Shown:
4:39:16
